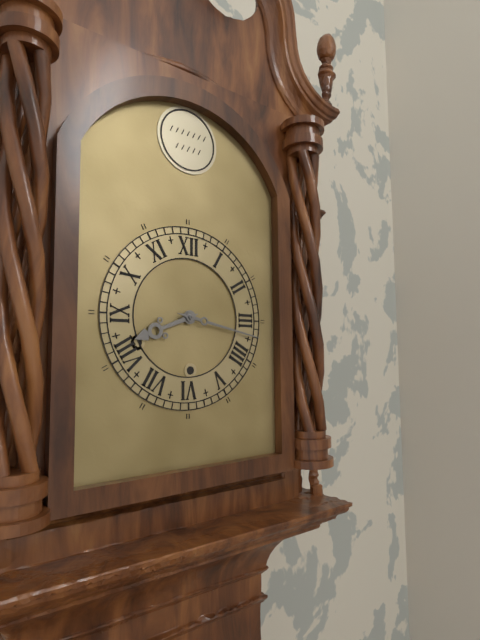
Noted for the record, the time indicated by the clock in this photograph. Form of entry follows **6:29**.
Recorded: **8:17**
